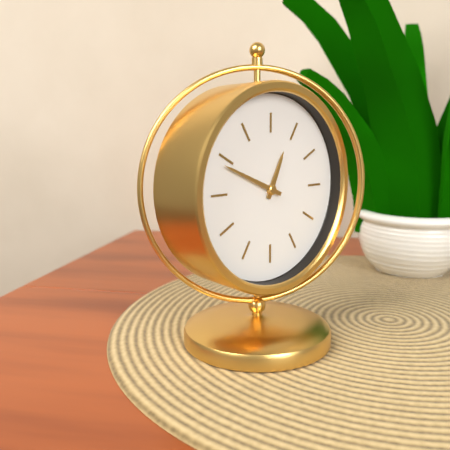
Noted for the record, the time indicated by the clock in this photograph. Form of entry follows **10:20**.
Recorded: **12:49**
